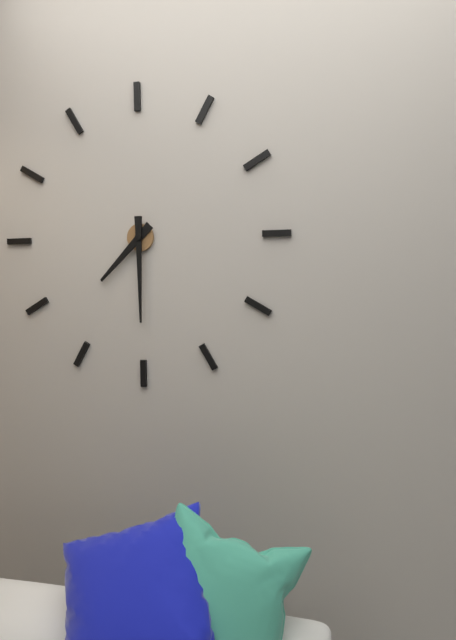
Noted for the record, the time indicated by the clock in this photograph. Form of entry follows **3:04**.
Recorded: **7:30**
